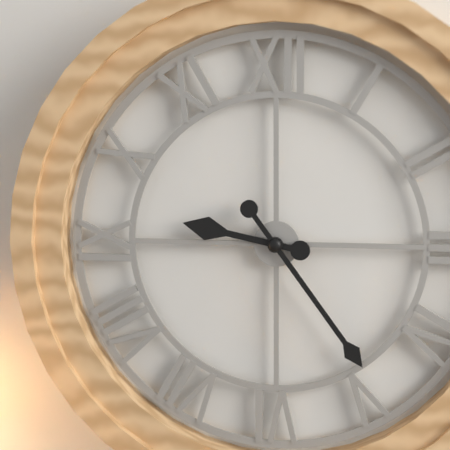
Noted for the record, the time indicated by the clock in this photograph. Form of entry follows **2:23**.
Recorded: **9:24**
